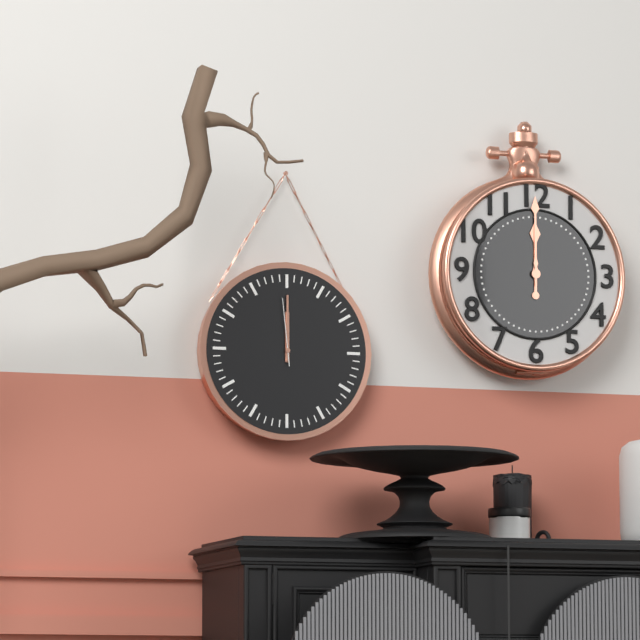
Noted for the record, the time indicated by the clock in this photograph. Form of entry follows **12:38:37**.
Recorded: **12:00:59**
